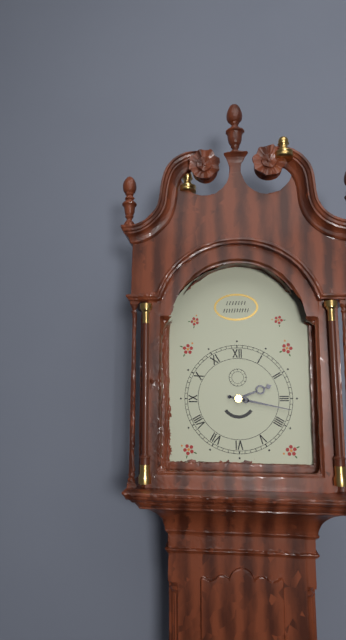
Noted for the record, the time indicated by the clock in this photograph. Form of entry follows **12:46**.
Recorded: **2:17**
